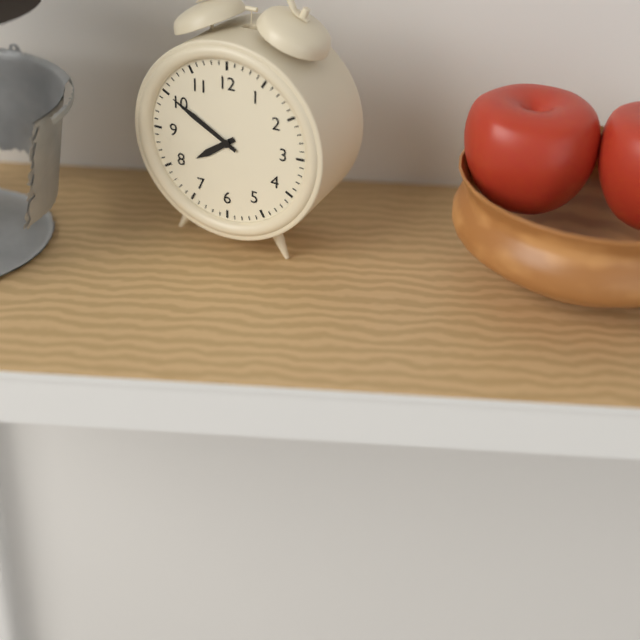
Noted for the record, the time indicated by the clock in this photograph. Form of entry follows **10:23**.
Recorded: **7:50**
